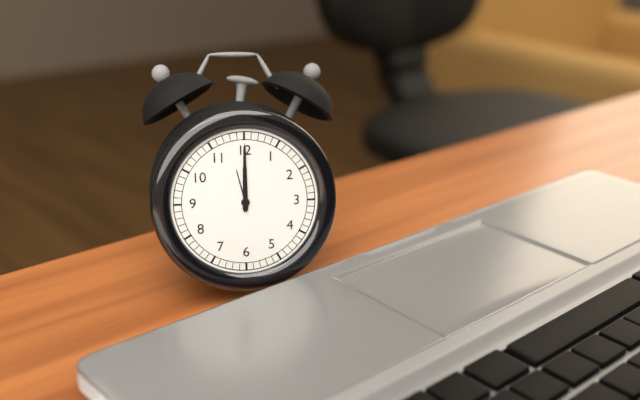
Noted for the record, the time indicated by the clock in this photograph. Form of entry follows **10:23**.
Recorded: **12:00**
